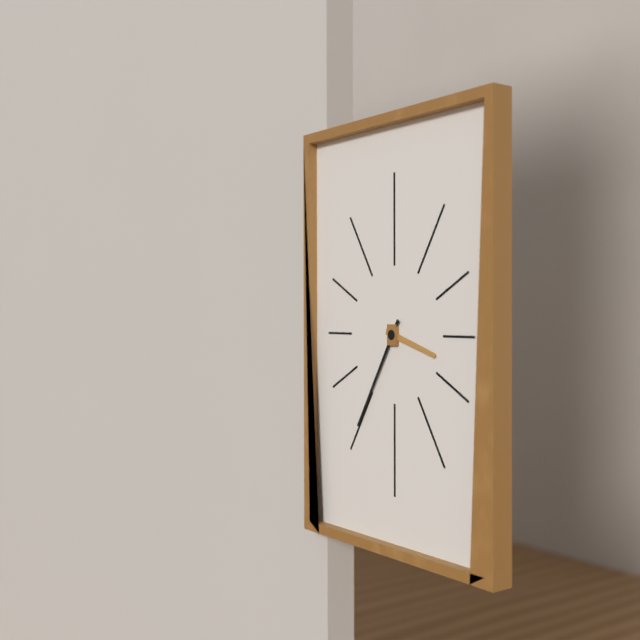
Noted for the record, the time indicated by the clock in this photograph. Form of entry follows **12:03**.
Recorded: **3:35**
